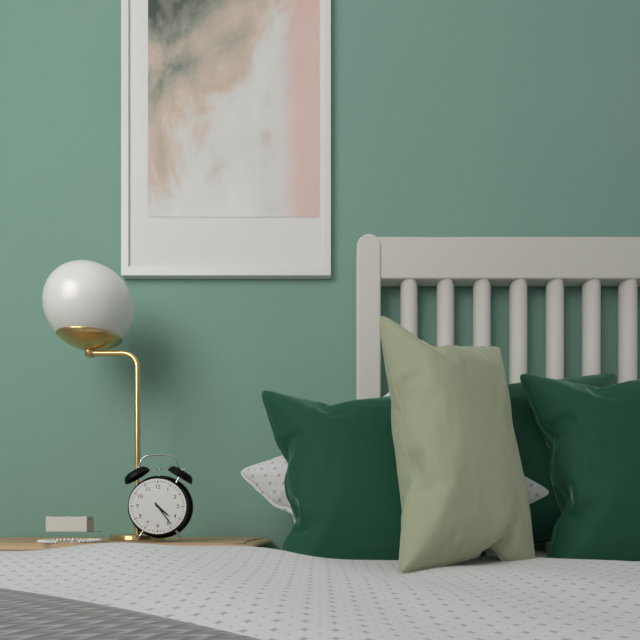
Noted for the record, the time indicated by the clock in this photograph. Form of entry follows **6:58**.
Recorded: **4:24**
